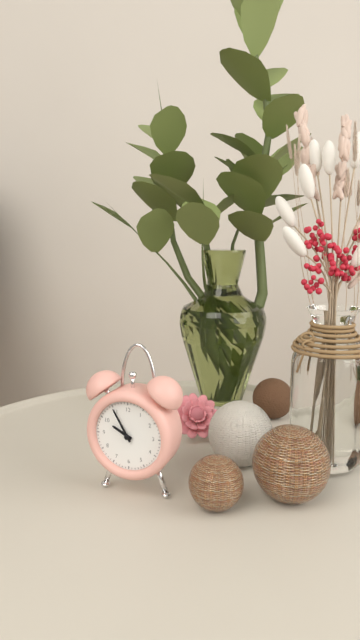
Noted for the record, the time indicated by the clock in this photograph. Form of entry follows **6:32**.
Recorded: **9:55**
